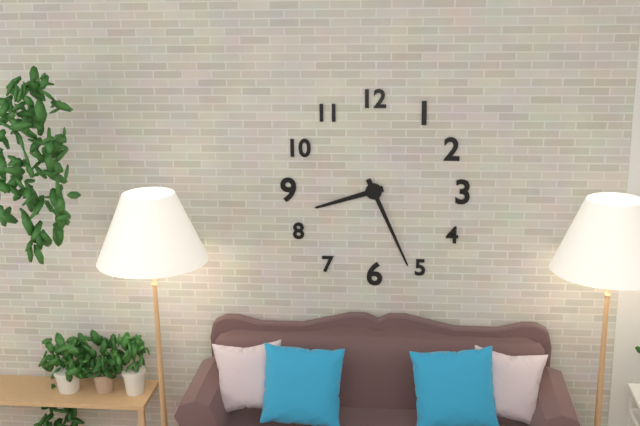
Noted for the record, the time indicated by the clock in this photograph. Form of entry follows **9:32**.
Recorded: **8:26**
